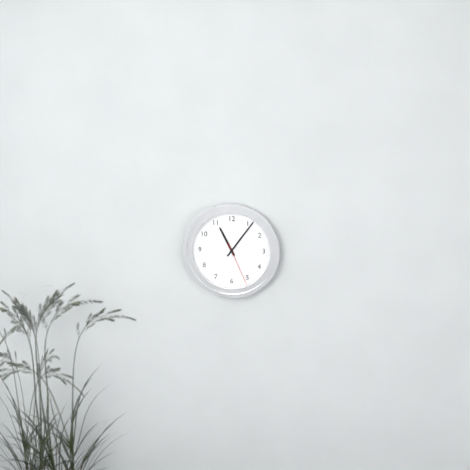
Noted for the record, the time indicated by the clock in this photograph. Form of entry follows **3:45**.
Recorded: **11:06**
